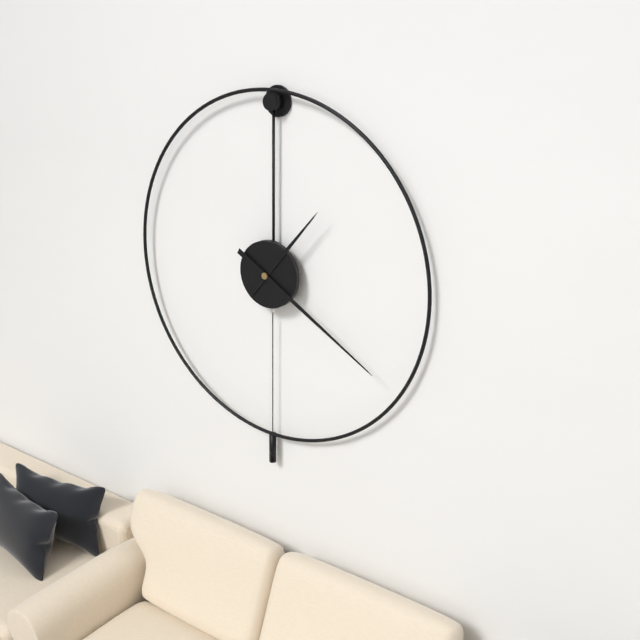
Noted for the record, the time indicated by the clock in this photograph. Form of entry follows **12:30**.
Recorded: **1:20**
